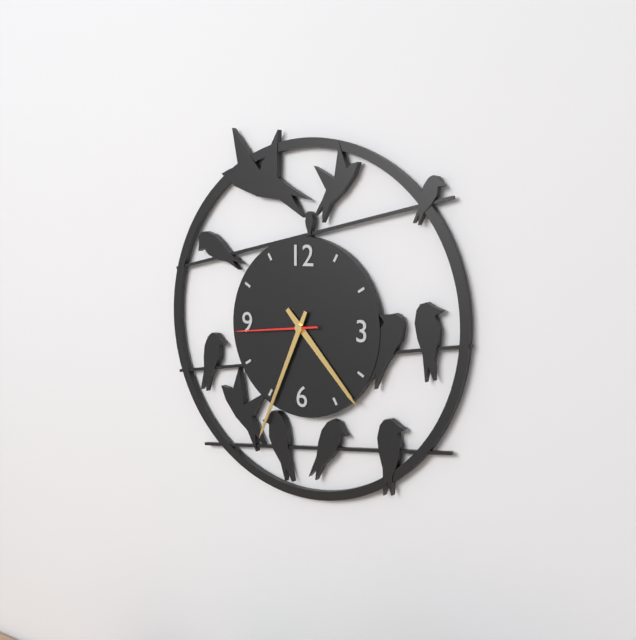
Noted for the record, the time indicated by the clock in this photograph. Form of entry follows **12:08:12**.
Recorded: **4:34:44**
